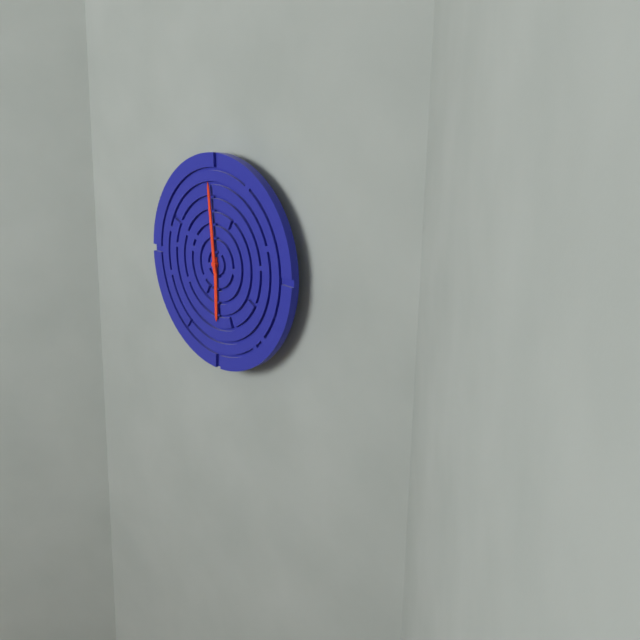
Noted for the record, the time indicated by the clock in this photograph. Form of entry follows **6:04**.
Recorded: **5:59**
